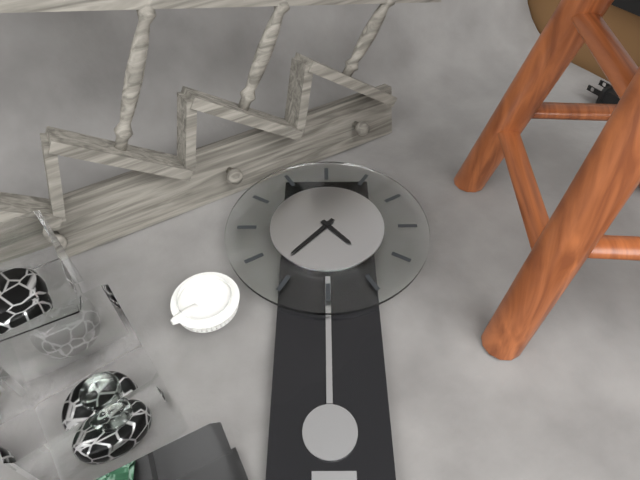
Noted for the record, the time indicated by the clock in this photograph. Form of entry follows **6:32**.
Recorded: **4:37**
